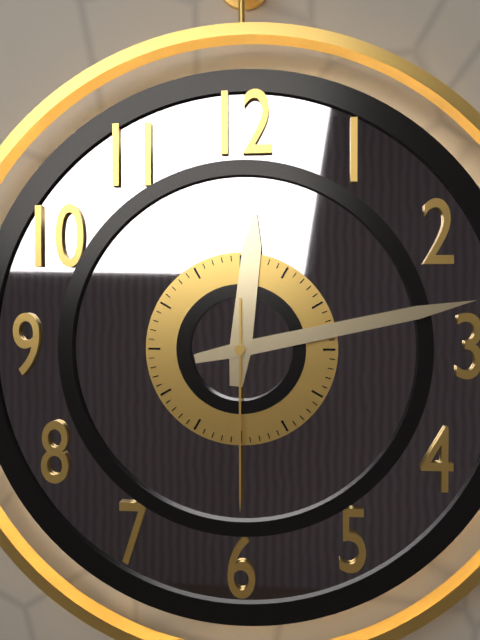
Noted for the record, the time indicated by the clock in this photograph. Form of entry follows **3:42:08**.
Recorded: **12:13:30**
